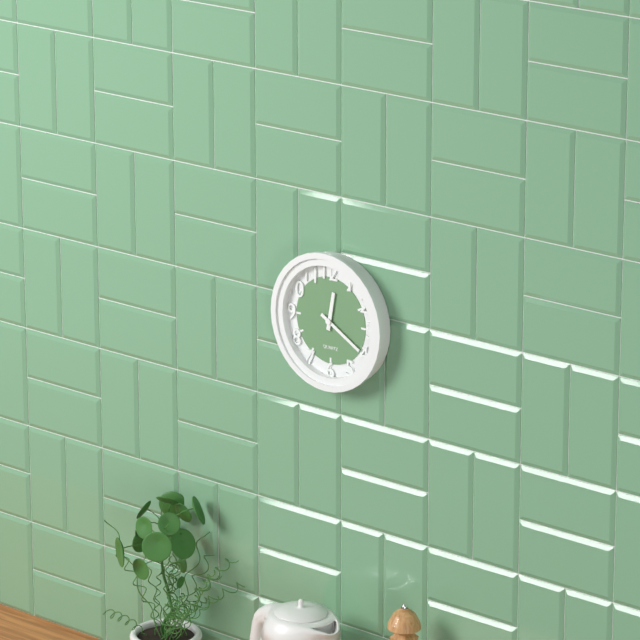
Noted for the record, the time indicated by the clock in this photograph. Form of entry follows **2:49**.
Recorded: **12:20**
